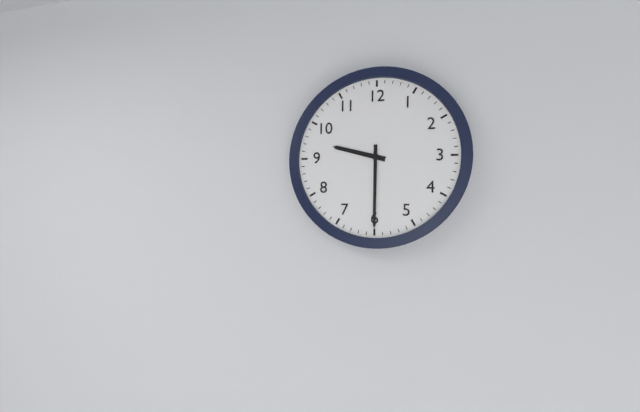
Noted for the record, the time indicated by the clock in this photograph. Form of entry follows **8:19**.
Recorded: **9:30**
